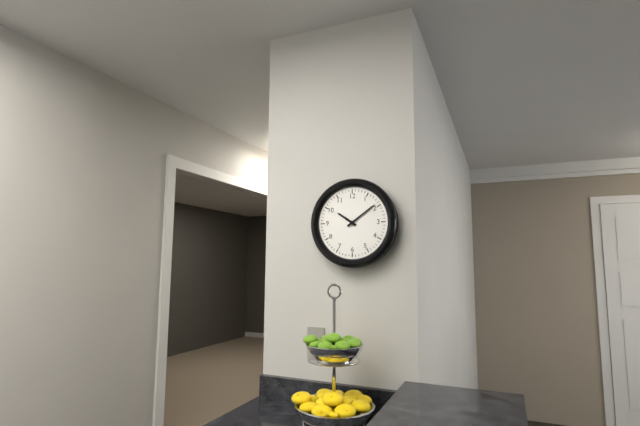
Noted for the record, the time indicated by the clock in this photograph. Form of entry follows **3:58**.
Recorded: **10:09**
